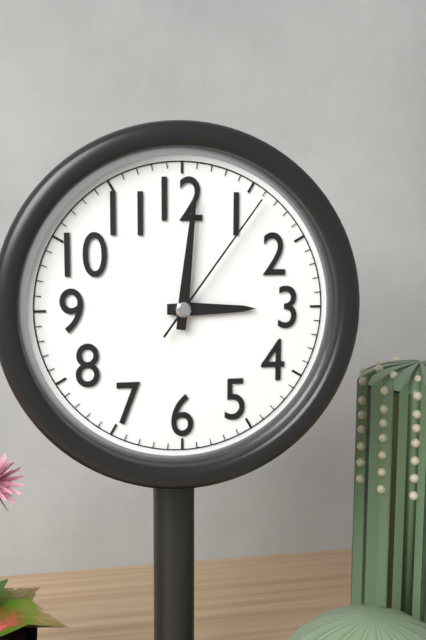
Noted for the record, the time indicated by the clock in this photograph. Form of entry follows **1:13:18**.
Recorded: **3:01:06**
